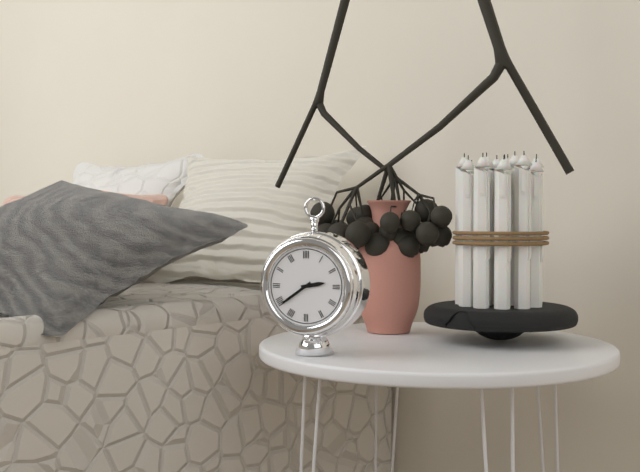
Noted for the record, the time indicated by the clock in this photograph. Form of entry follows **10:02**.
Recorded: **2:39**
